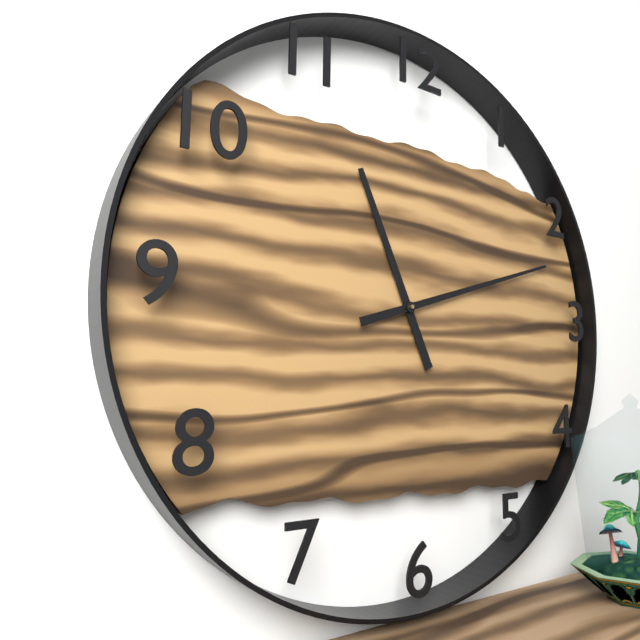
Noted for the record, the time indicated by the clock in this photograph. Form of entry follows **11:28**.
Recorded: **11:12**
